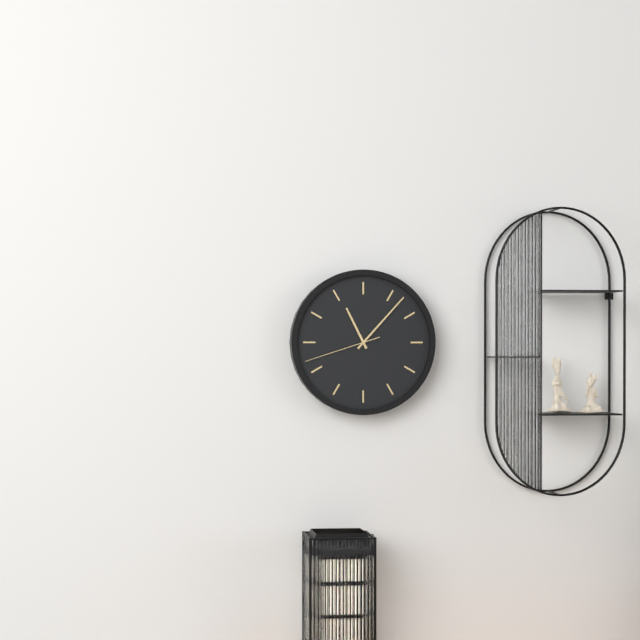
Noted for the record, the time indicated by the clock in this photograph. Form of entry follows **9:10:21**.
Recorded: **11:07:42**
